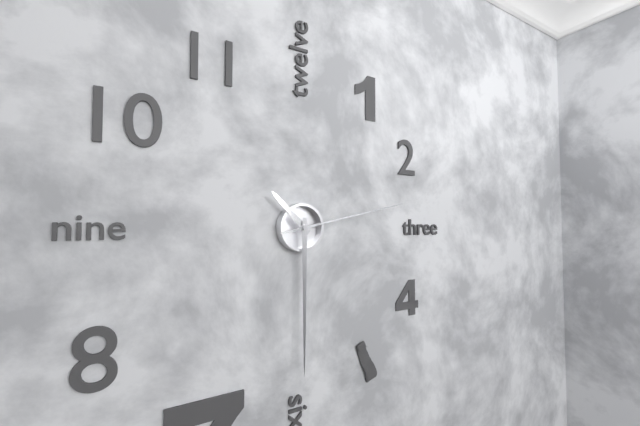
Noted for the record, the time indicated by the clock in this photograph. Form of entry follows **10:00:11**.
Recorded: **10:30:13**
